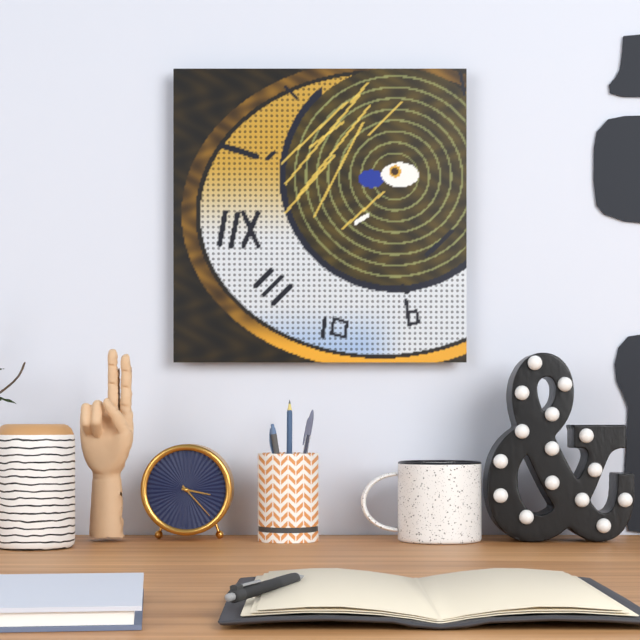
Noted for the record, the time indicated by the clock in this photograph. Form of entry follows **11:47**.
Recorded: **3:23**
